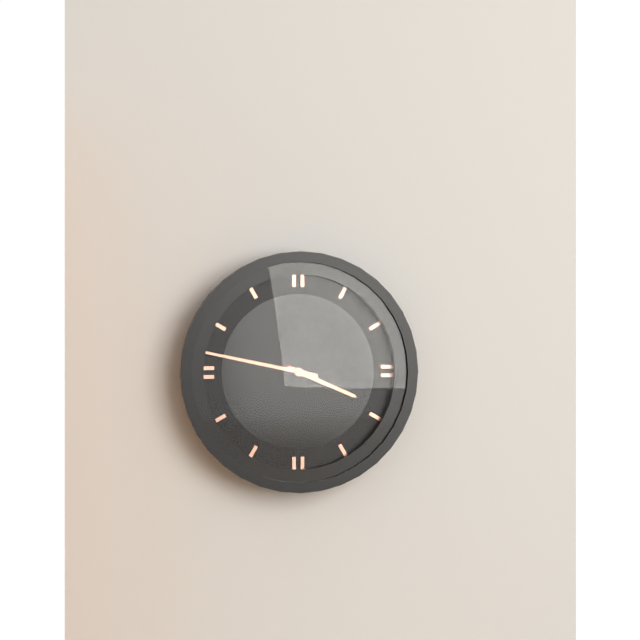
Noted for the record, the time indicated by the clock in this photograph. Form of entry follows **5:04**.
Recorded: **3:47**
